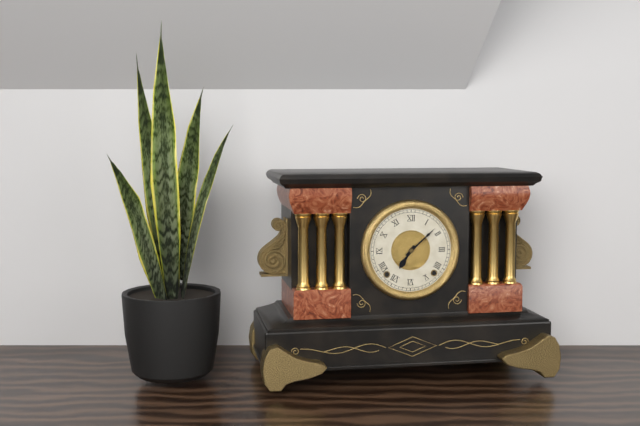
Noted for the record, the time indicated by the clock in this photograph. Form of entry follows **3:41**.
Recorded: **7:08**
